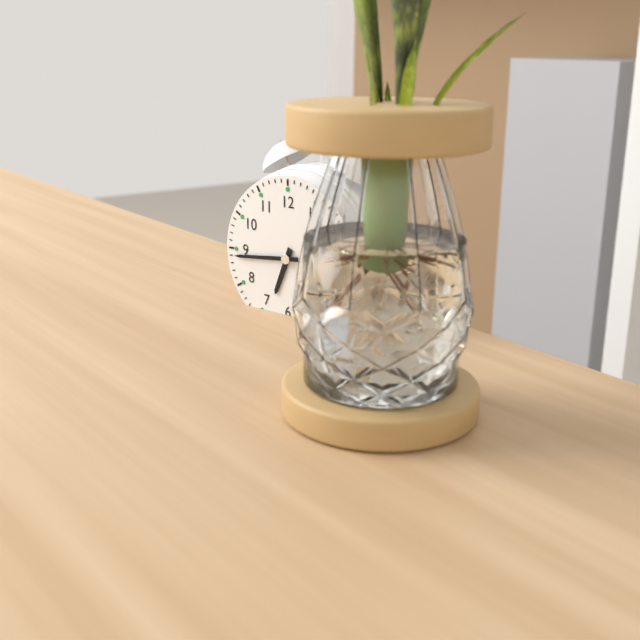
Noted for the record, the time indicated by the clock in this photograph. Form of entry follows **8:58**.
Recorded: **6:44**
